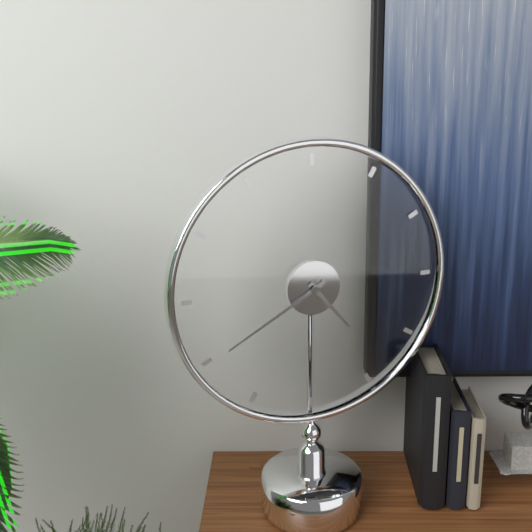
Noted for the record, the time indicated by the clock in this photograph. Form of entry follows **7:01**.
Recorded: **4:40**
